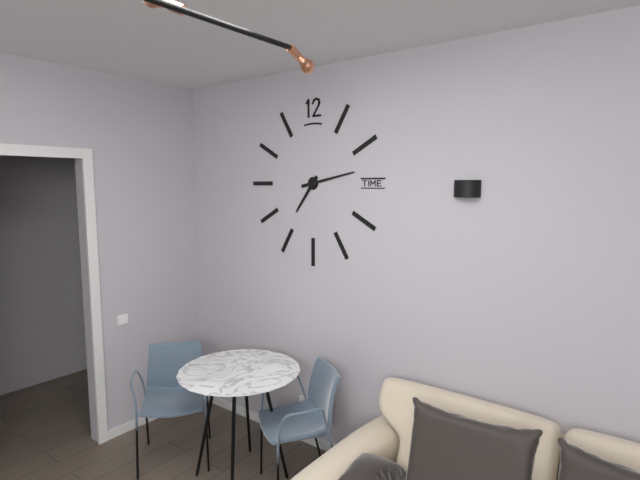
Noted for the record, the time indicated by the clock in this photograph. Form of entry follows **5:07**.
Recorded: **7:13**
